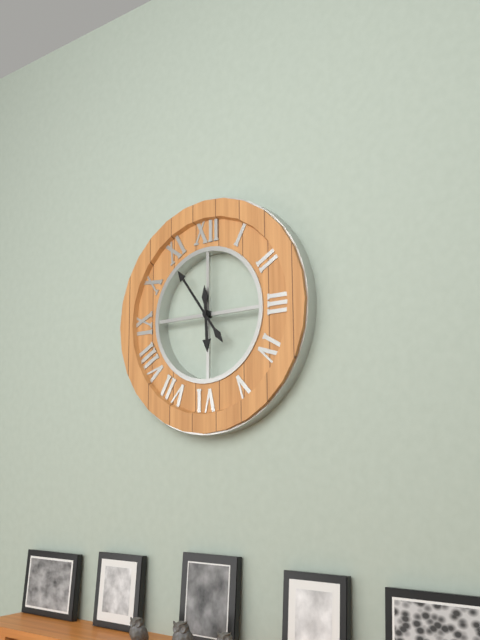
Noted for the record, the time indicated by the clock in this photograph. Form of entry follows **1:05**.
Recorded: **5:54**
